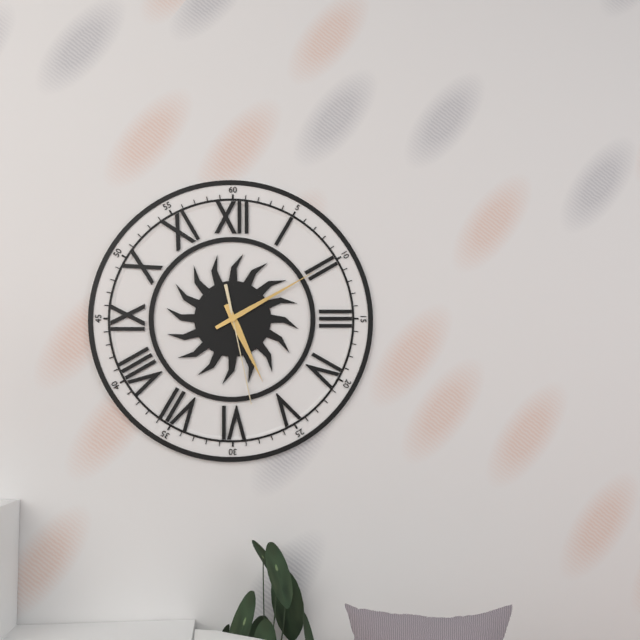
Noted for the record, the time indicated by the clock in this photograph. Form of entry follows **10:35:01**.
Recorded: **5:10:28**
